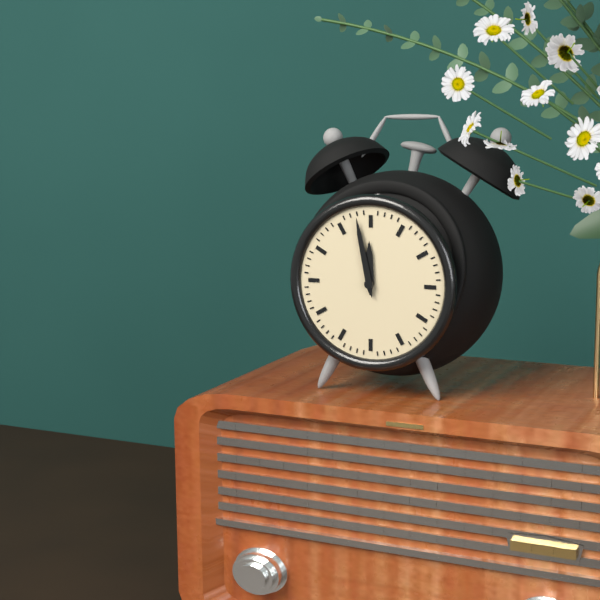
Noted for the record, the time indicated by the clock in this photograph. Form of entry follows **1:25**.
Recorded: **11:58**
